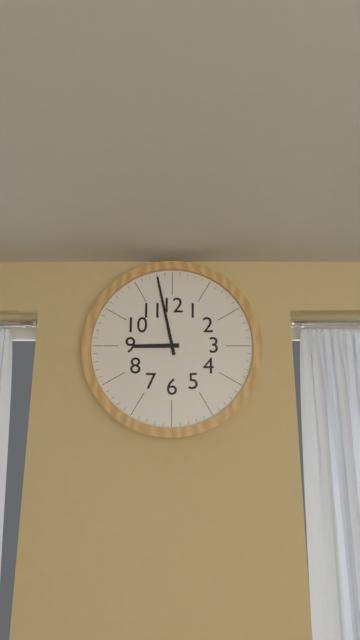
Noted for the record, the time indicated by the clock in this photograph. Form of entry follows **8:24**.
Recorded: **8:58**
